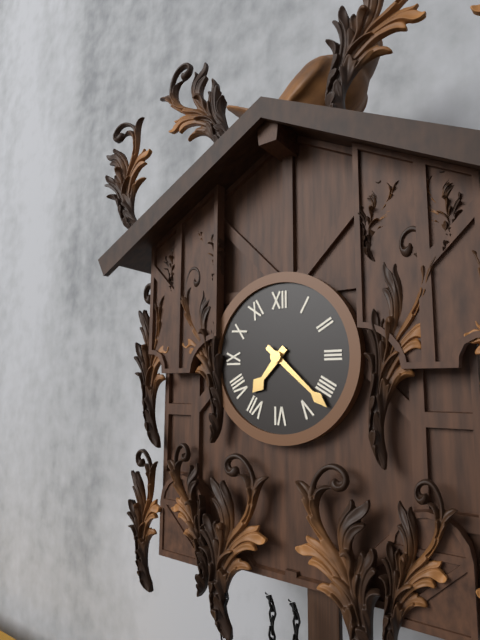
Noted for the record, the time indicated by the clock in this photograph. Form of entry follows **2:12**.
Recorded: **7:22**
